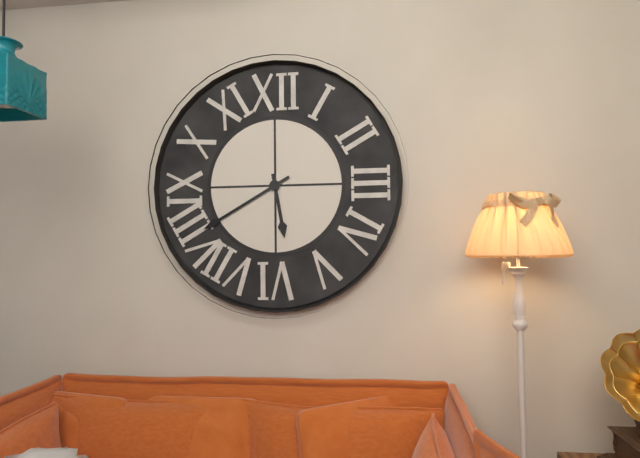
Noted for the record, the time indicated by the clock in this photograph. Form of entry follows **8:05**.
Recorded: **5:40**
